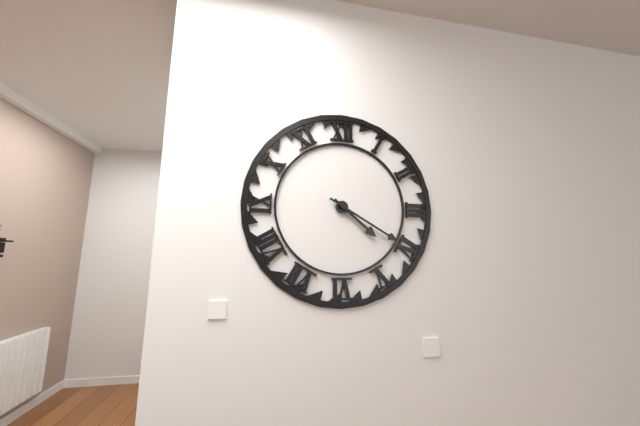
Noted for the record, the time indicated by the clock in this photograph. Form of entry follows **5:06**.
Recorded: **4:20**
